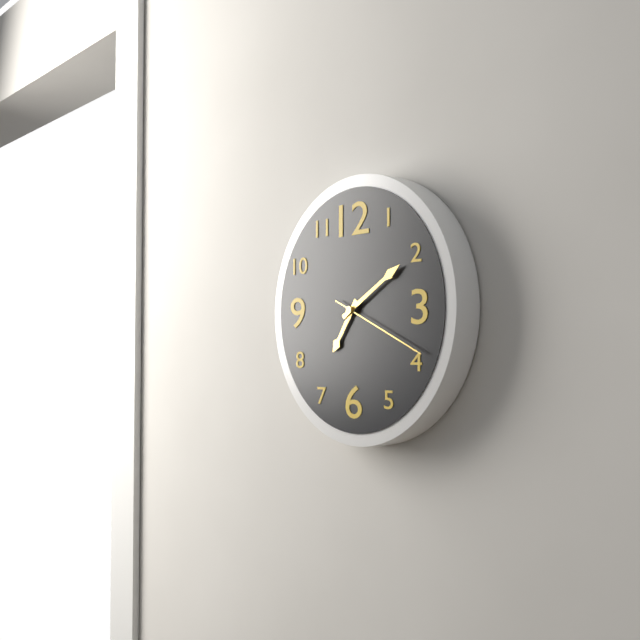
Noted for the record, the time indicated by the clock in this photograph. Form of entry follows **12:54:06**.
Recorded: **7:10:19**
